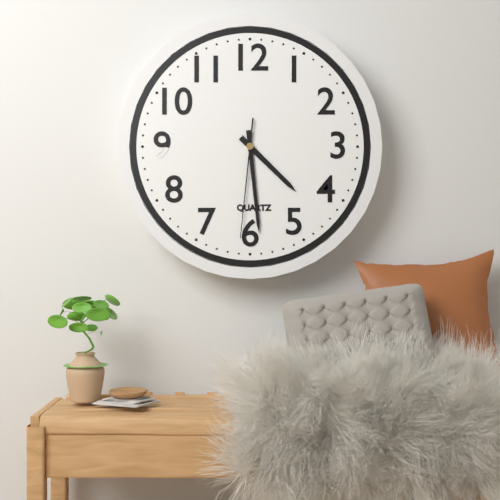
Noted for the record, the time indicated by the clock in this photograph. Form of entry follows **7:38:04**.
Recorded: **4:29:31**
